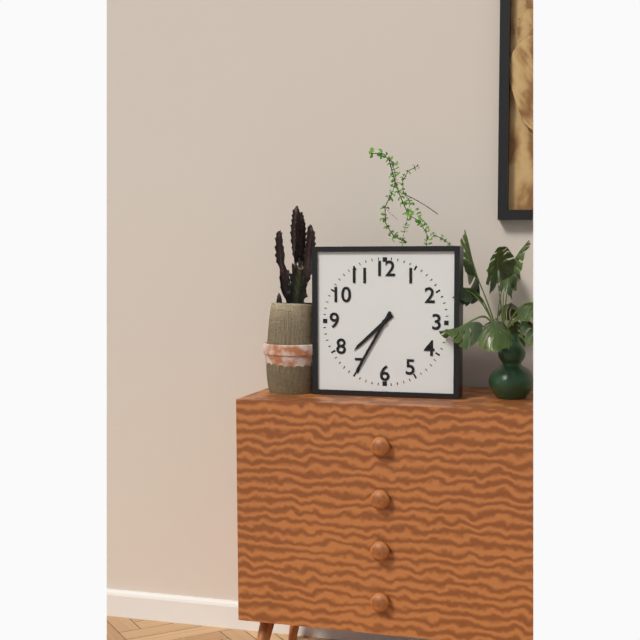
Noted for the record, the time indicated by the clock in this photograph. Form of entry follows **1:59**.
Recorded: **7:35**
